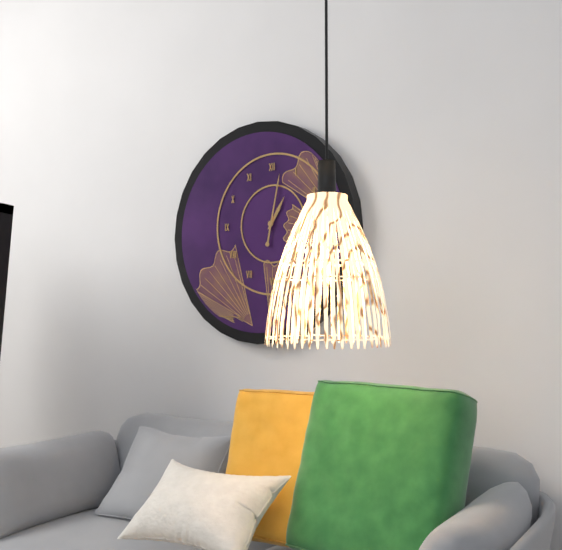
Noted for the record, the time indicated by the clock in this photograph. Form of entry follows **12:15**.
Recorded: **1:02**
